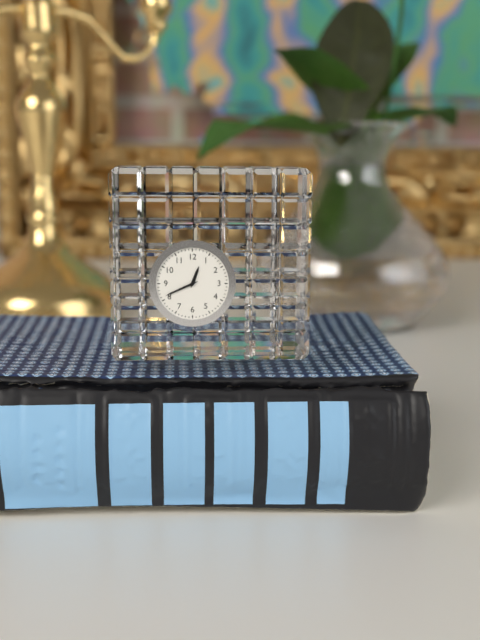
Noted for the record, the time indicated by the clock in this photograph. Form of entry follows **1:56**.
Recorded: **12:41**
